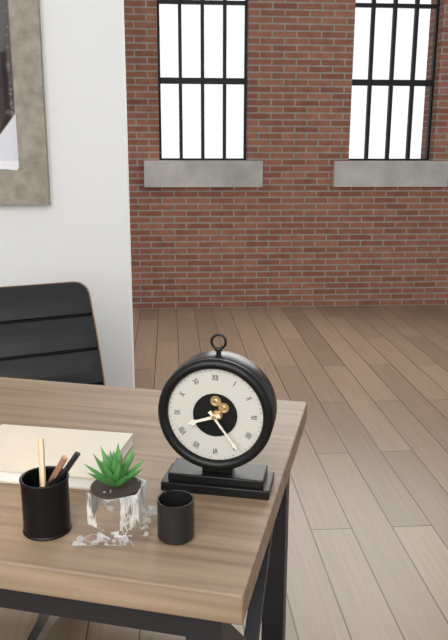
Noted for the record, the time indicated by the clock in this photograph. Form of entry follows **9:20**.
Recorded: **8:24**
